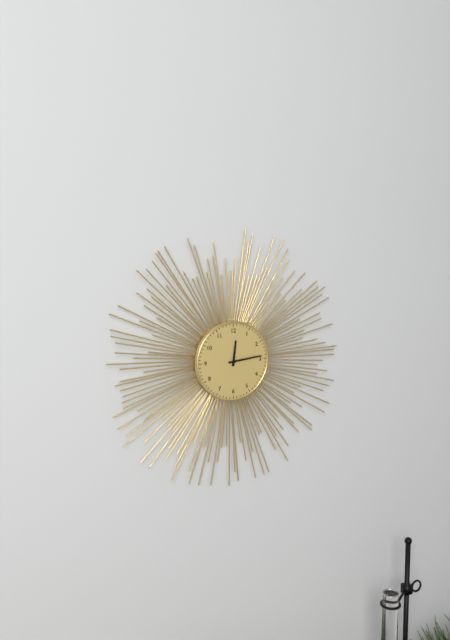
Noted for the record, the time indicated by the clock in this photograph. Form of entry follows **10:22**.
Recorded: **12:14**
